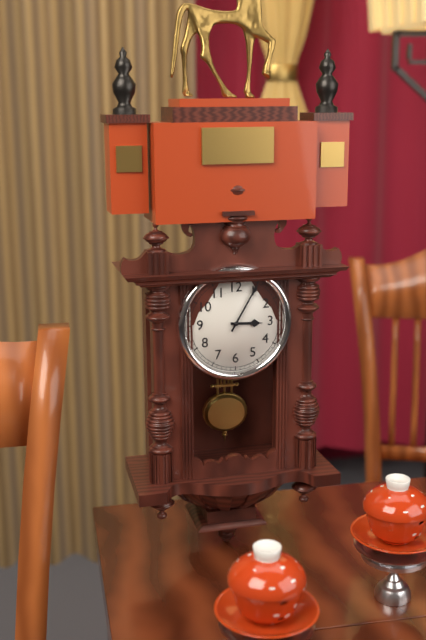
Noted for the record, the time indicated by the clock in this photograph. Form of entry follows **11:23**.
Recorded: **3:05**
